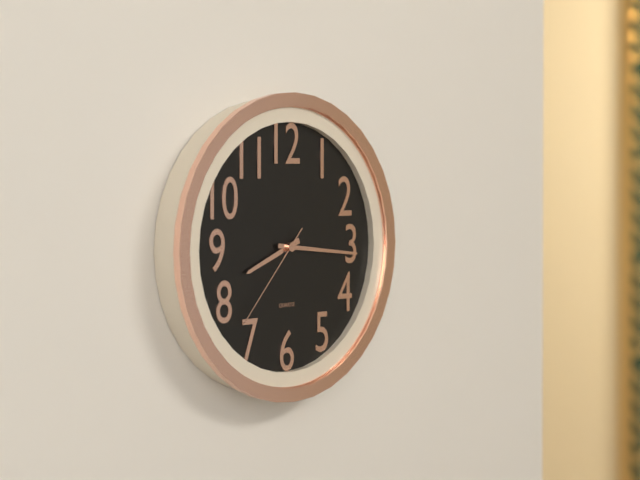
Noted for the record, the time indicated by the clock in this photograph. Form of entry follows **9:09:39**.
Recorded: **8:16:37**
